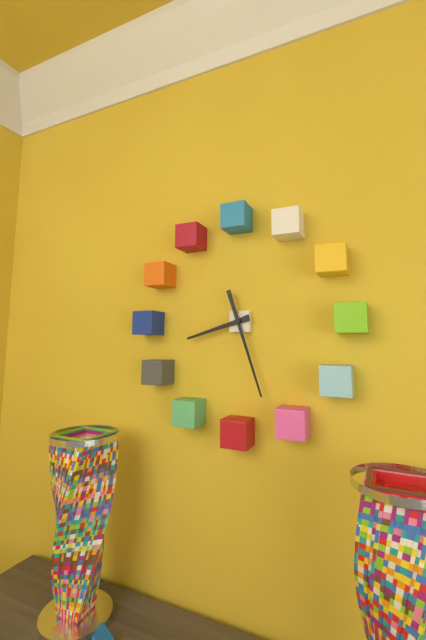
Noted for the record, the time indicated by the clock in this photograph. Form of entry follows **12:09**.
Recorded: **8:27**
